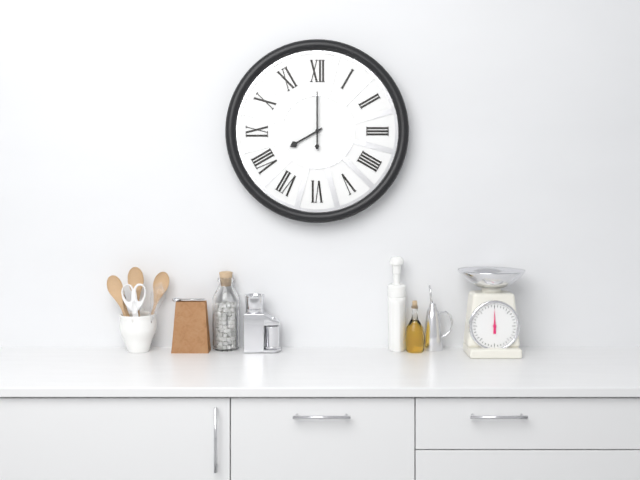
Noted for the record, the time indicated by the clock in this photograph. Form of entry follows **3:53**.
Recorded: **8:00**
